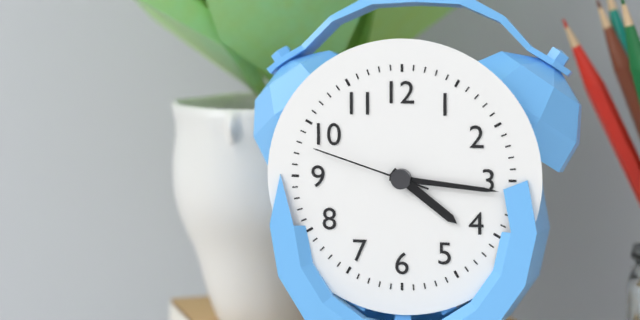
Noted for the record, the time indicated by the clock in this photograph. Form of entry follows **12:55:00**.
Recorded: **4:16:48**
